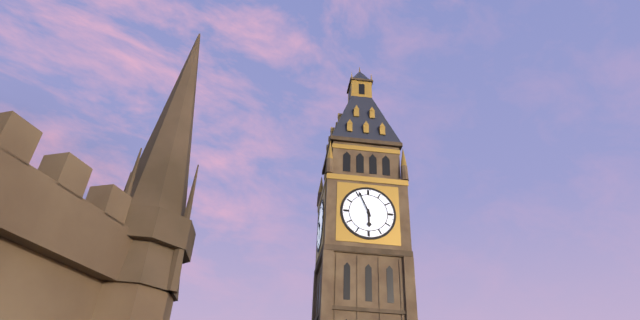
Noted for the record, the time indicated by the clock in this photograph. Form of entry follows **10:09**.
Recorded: **5:56**
